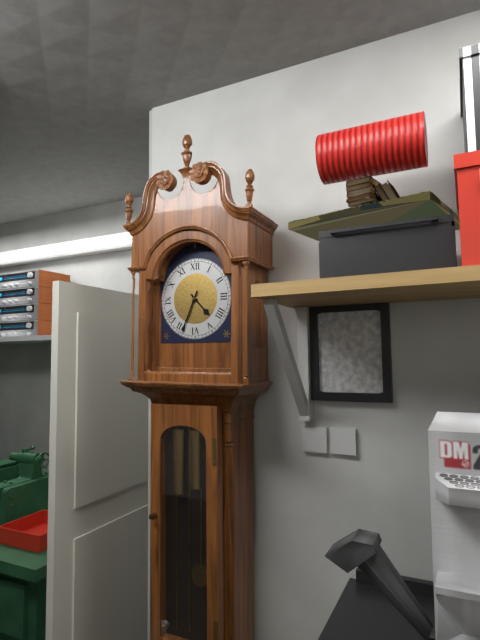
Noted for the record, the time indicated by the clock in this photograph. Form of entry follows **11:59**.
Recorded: **4:34**
